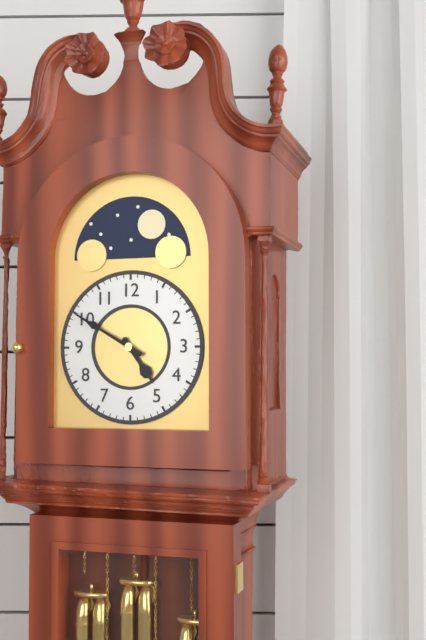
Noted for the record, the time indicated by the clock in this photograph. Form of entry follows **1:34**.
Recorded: **4:50**
